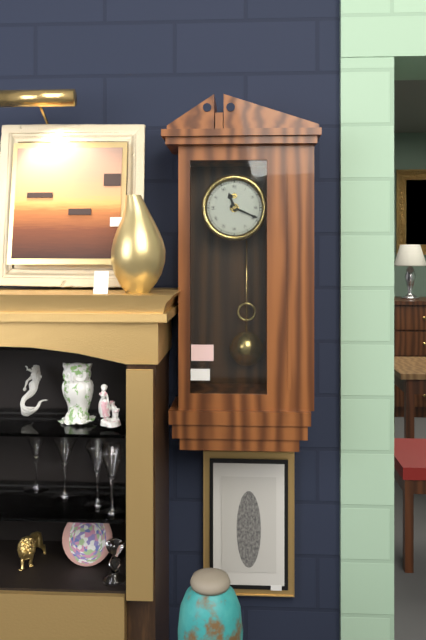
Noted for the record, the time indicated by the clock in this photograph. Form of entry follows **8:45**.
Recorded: **11:19**
